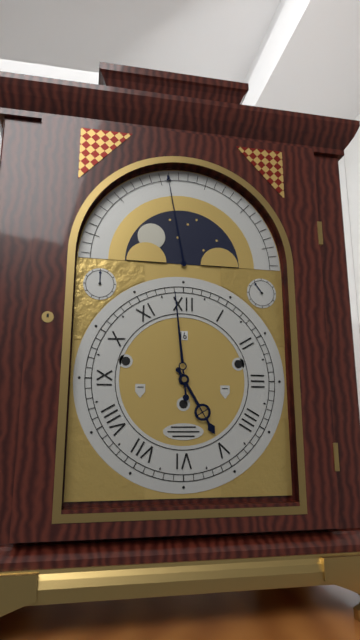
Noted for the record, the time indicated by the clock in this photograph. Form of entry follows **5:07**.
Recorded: **4:59**
